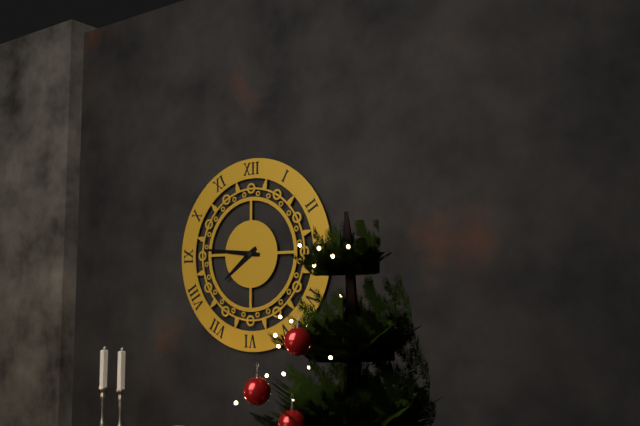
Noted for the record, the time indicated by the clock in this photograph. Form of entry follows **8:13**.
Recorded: **7:46**
